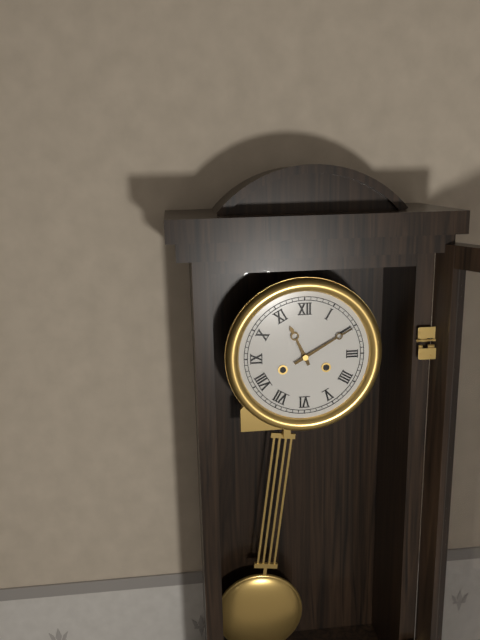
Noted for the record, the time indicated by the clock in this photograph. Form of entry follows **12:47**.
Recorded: **11:10**
